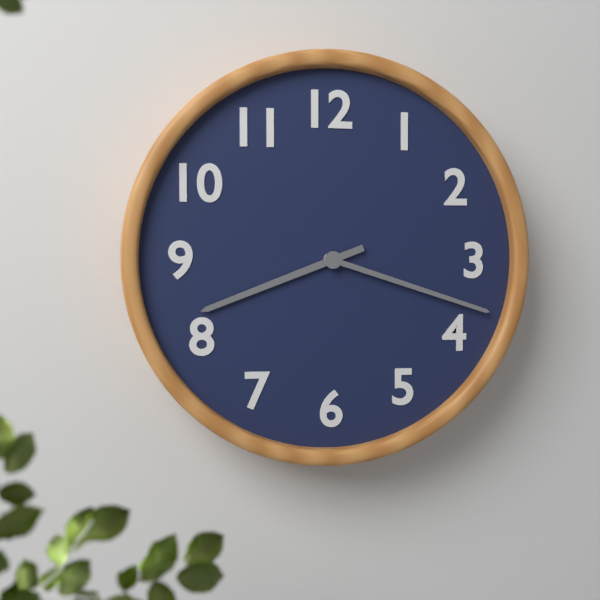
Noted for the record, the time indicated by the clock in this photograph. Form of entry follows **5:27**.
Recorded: **8:18**
